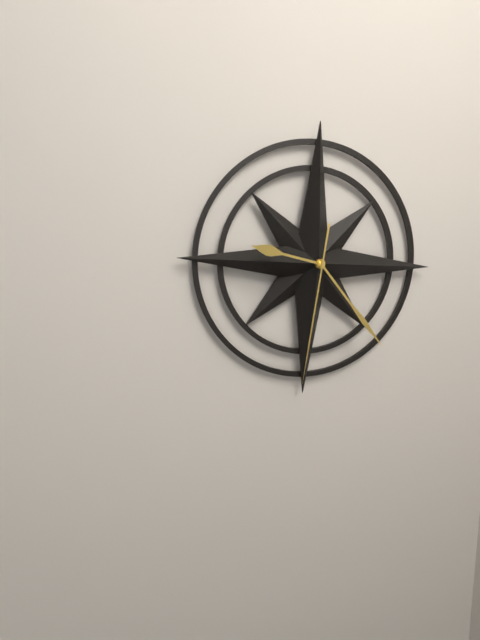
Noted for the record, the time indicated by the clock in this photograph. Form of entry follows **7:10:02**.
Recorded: **9:23:31**
